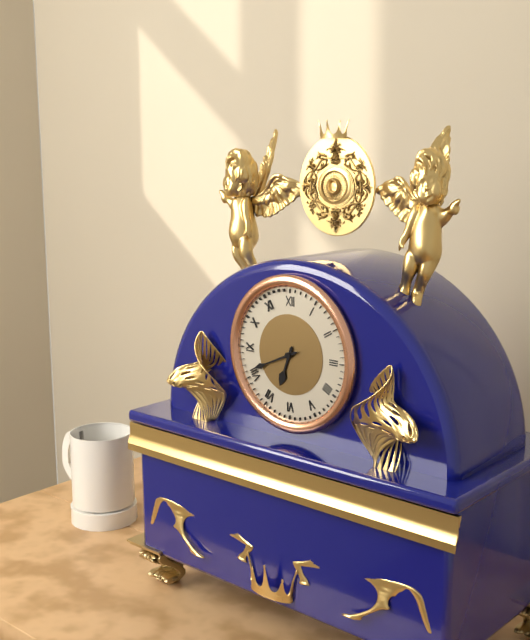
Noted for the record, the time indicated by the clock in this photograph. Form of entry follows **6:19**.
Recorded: **6:41**
